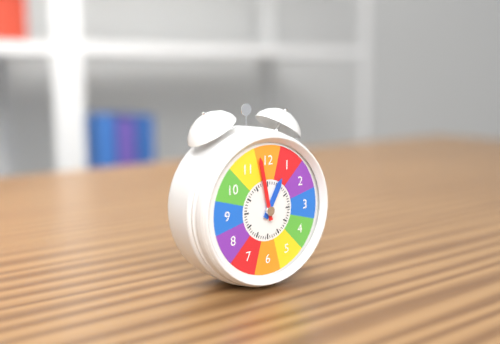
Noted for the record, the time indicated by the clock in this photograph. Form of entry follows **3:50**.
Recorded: **12:58**
